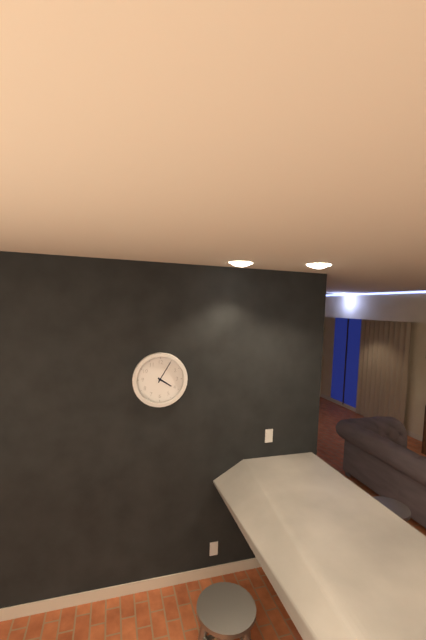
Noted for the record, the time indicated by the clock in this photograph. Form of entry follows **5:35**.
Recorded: **4:05**
